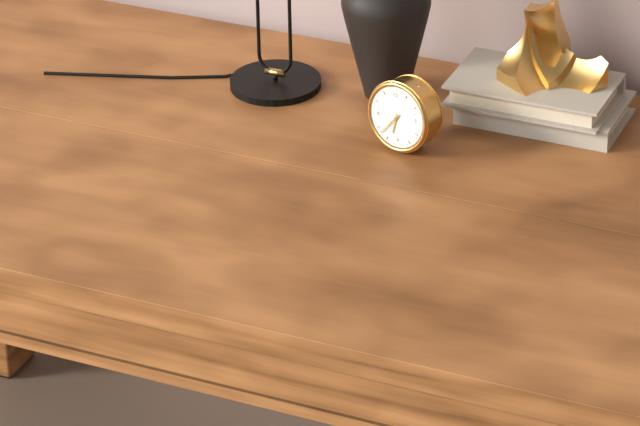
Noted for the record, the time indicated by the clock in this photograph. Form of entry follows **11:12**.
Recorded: **6:38**
